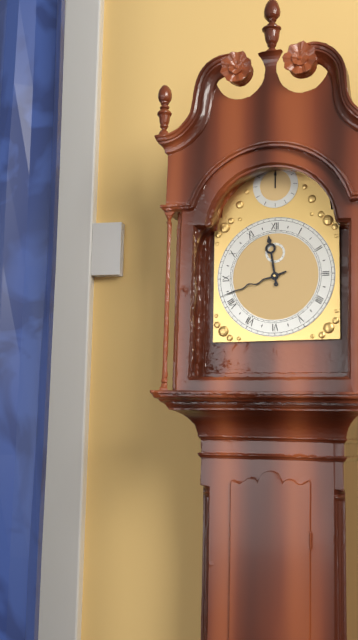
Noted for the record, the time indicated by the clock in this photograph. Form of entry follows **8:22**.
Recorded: **11:42**
